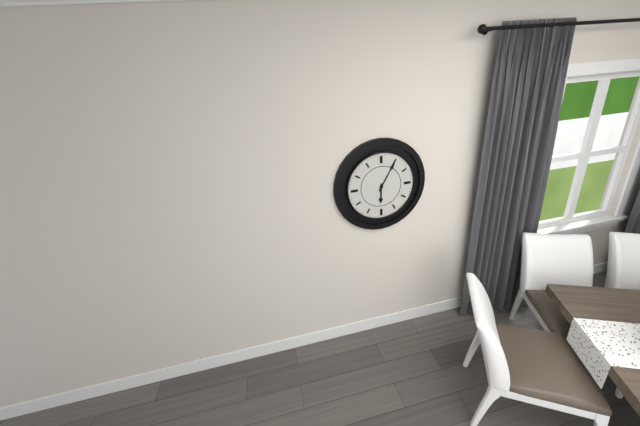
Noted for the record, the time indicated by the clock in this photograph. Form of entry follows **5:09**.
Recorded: **6:05**
